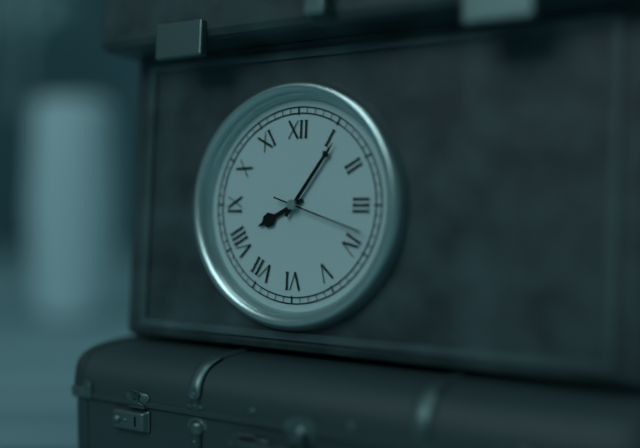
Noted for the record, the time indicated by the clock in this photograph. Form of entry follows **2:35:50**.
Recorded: **8:06:18**
